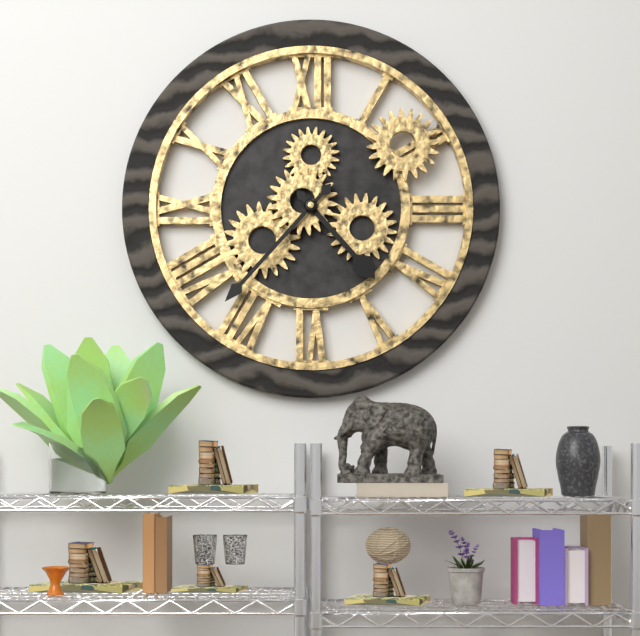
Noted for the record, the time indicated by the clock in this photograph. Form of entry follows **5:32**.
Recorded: **4:37**
